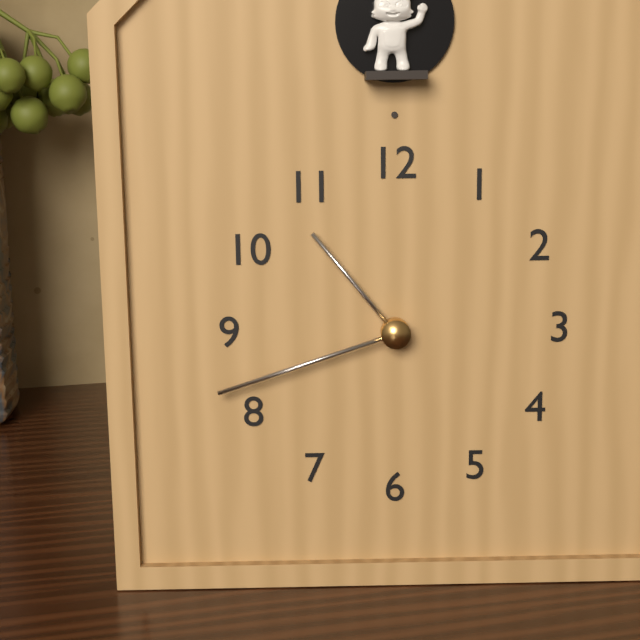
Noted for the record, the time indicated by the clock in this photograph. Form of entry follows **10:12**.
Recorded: **10:42**
